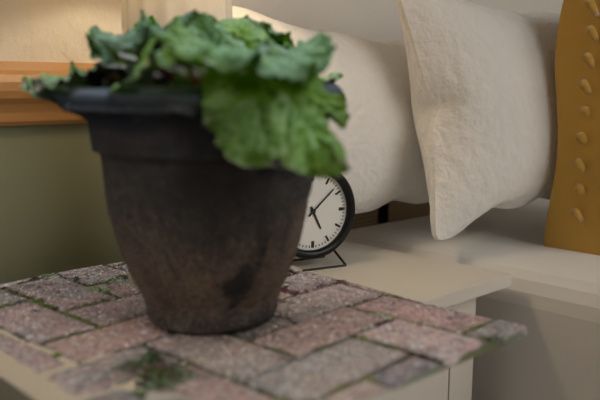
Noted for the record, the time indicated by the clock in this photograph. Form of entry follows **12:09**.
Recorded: **5:08**
